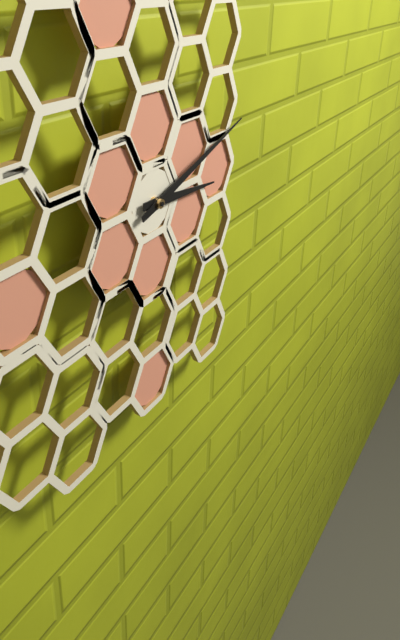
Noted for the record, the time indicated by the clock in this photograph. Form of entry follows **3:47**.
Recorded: **3:12**
